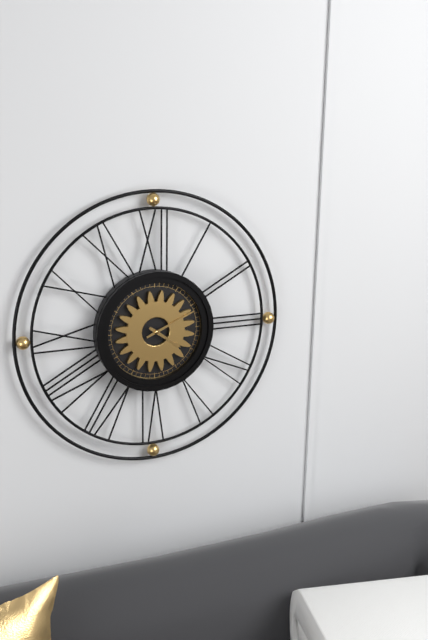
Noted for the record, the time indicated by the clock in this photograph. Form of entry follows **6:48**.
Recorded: **4:11**
